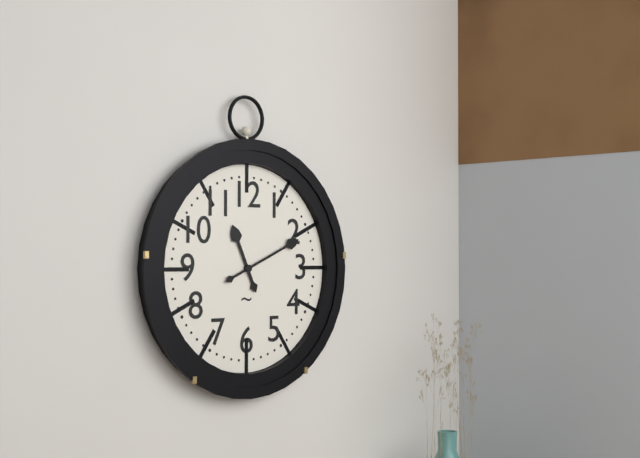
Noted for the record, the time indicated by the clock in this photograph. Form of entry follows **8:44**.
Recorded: **11:11**
